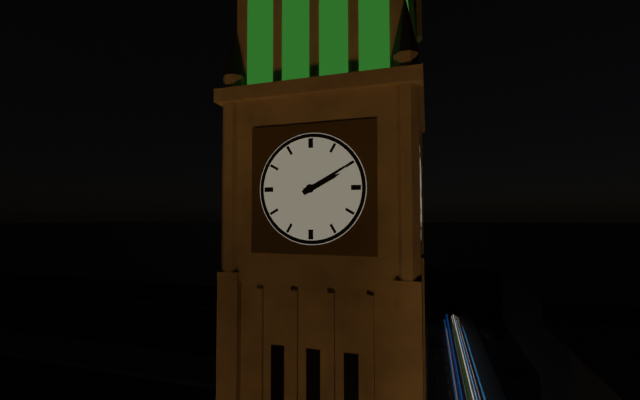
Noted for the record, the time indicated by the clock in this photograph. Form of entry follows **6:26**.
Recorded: **2:10**
